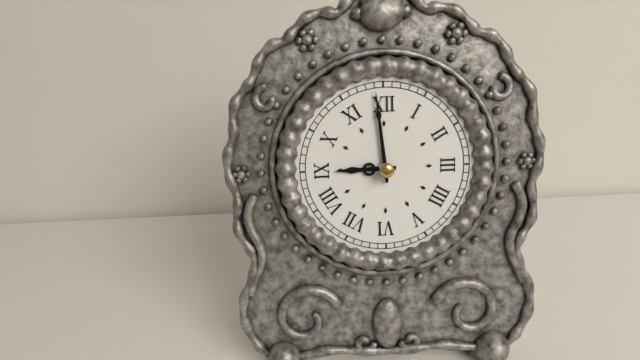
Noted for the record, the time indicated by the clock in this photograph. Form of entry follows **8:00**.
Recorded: **8:59**
